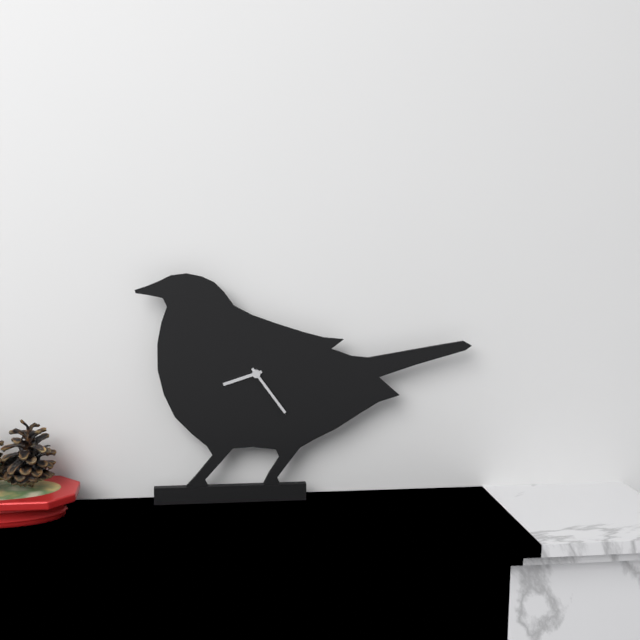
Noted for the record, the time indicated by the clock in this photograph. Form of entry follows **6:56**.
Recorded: **8:24**
